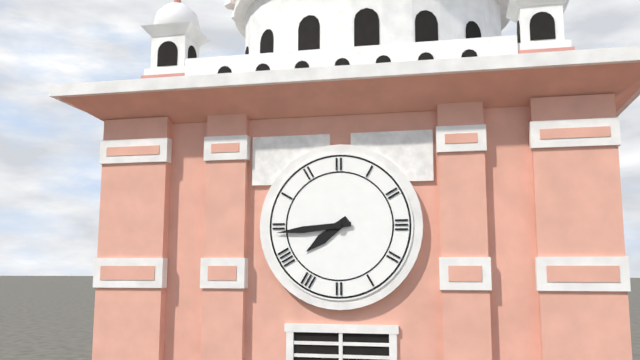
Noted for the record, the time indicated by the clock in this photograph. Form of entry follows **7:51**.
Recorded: **7:44**
